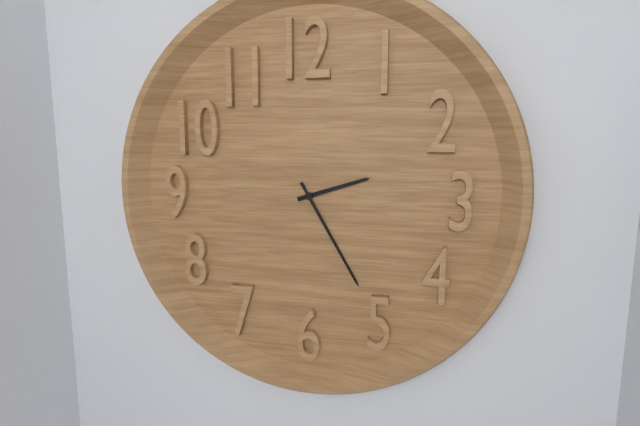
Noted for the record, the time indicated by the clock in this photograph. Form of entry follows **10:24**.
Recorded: **2:25**
